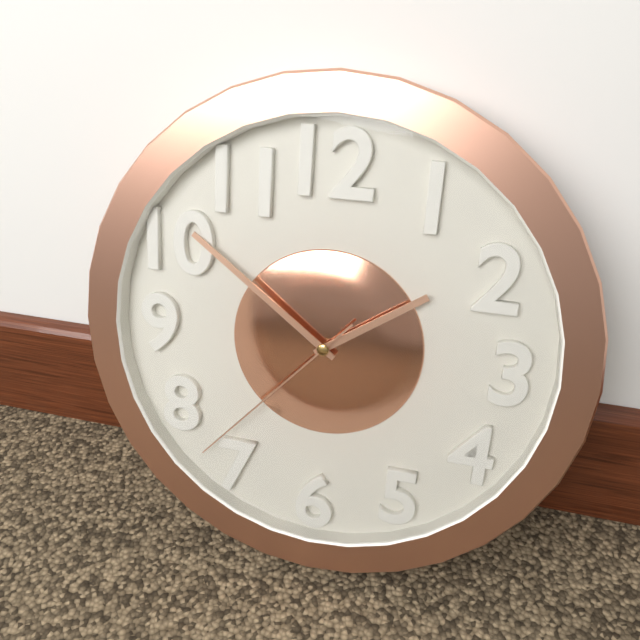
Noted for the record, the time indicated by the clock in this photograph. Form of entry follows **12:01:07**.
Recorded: **1:51:37**
